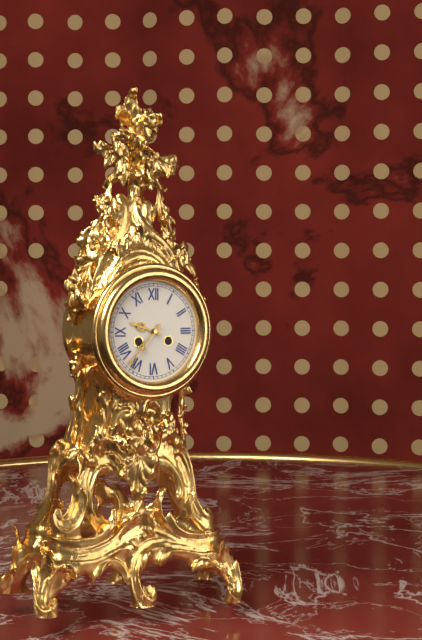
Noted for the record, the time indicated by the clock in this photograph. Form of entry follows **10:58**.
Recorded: **9:37**
